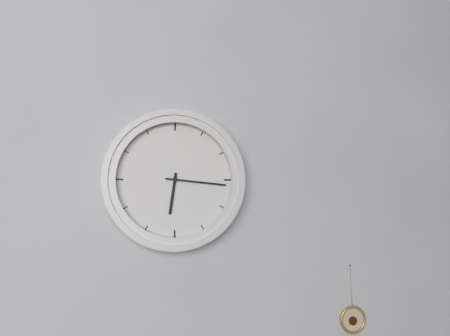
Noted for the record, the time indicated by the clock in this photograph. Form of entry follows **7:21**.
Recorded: **6:16**
